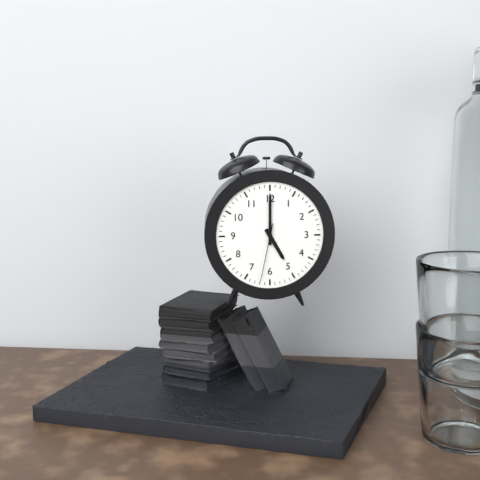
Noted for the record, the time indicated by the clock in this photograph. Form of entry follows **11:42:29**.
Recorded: **5:00:32**
